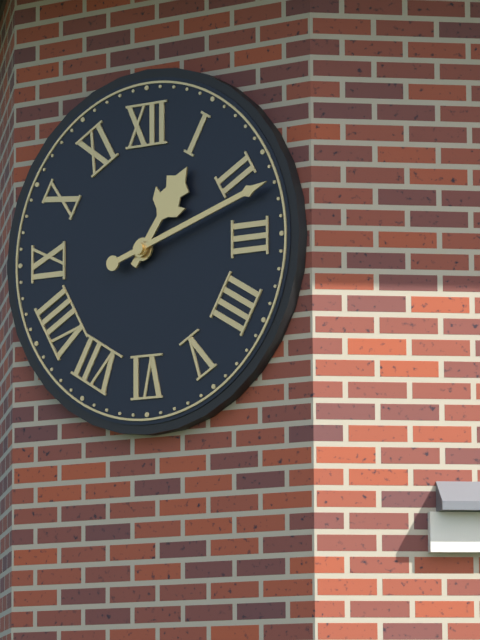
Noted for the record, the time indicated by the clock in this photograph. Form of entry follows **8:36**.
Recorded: **1:12**
